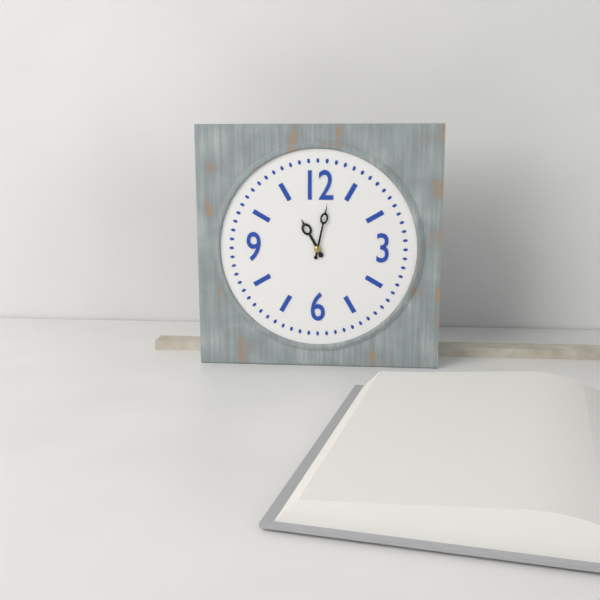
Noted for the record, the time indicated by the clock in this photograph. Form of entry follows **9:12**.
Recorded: **11:02**
